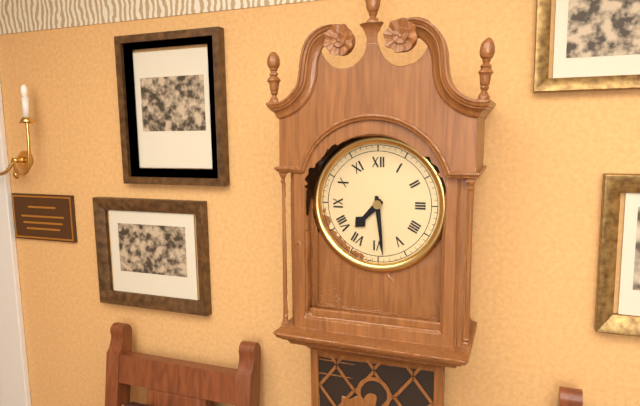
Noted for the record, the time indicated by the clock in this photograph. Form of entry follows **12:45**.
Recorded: **7:29**
